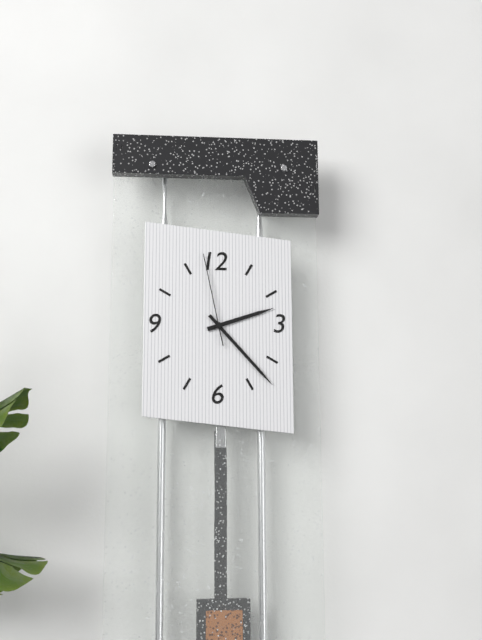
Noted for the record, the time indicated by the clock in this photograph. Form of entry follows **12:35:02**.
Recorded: **2:23:58**
